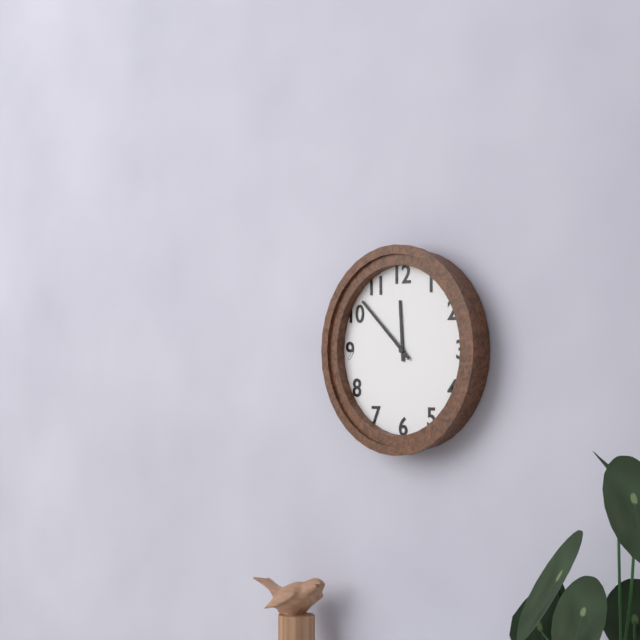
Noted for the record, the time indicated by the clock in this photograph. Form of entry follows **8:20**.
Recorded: **11:52**
